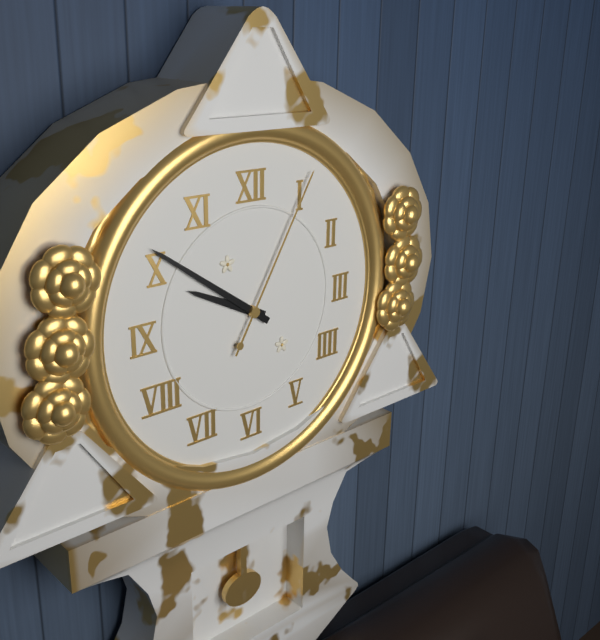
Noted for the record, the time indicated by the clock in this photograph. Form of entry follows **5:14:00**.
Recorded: **9:51:05**
